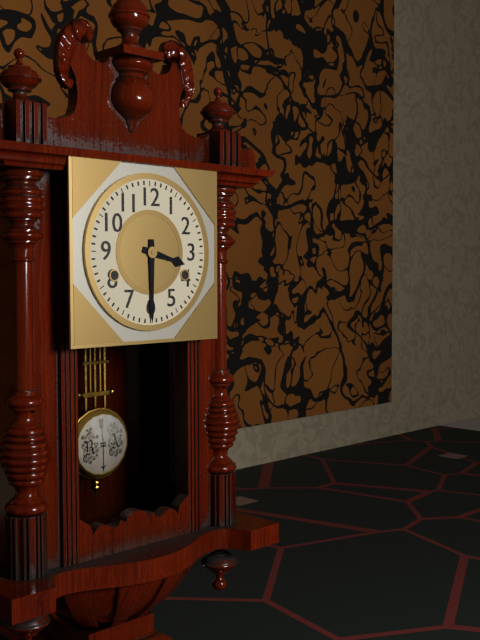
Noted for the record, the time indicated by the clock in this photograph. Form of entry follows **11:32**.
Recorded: **3:30**
